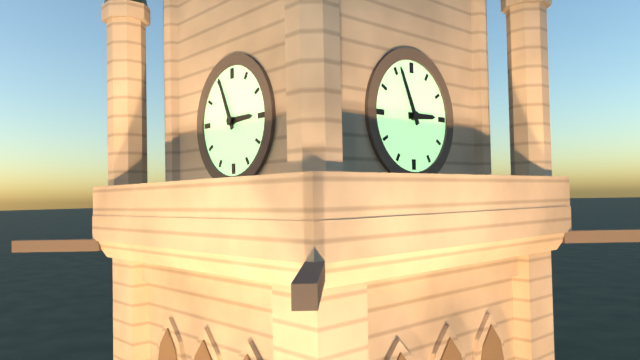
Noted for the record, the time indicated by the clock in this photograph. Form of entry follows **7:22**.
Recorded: **2:56**
